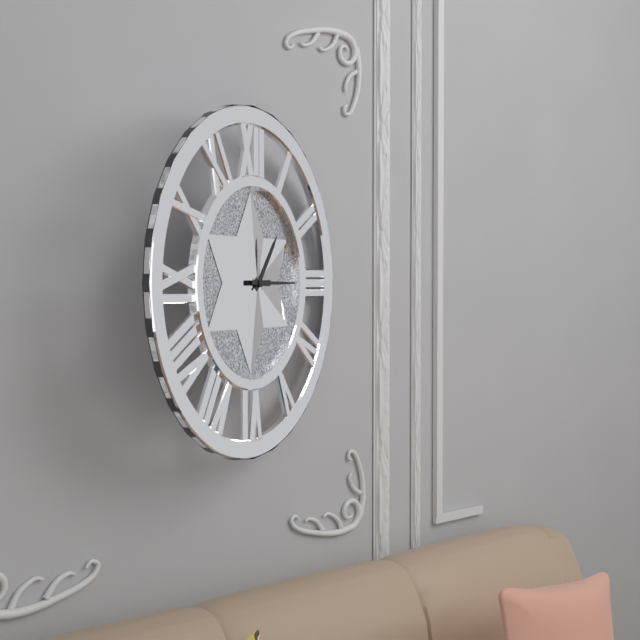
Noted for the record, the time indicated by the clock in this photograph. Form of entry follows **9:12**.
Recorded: **1:15**
